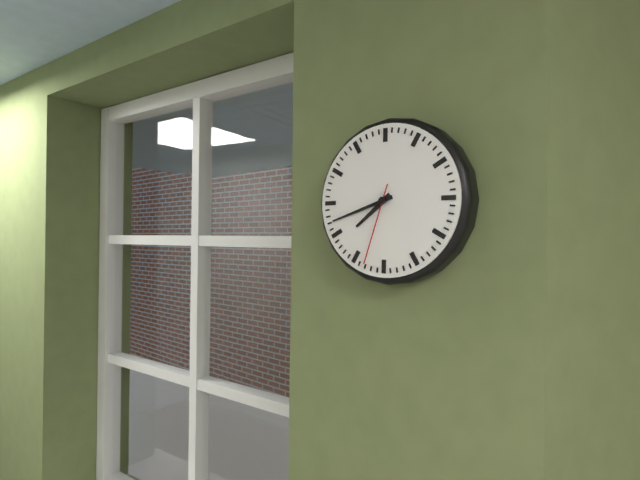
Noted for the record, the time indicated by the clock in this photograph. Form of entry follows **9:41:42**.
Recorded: **7:42:33**
